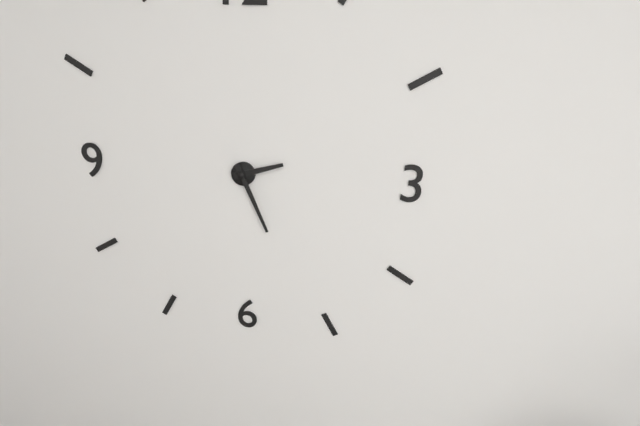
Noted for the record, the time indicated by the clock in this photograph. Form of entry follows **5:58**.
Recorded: **2:26**
